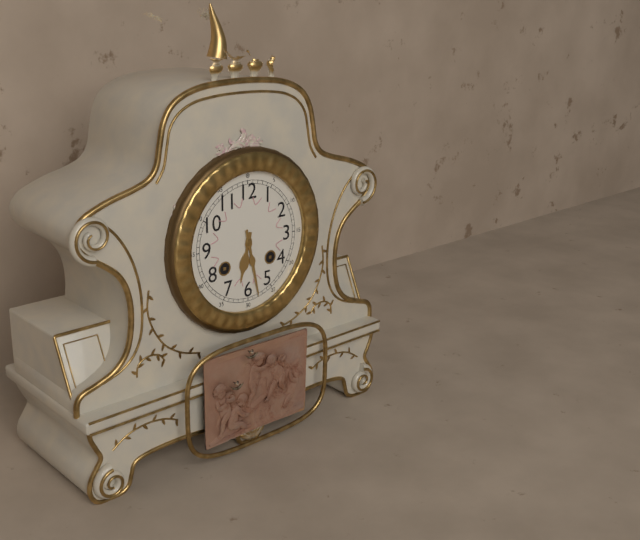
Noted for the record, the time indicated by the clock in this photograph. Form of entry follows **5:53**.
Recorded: **6:28**
